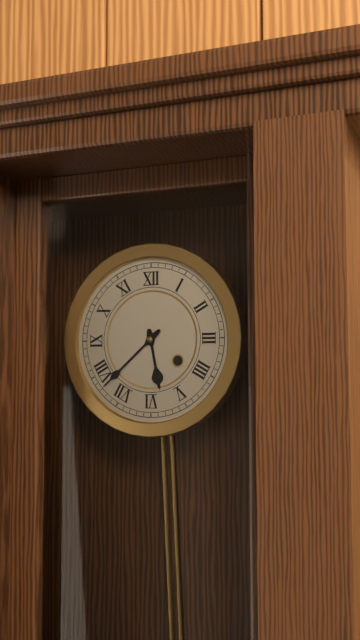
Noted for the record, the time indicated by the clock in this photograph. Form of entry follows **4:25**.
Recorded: **5:38**
